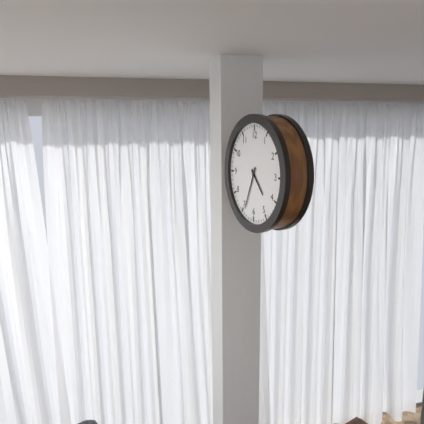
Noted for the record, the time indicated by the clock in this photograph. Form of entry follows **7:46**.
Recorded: **4:34**
